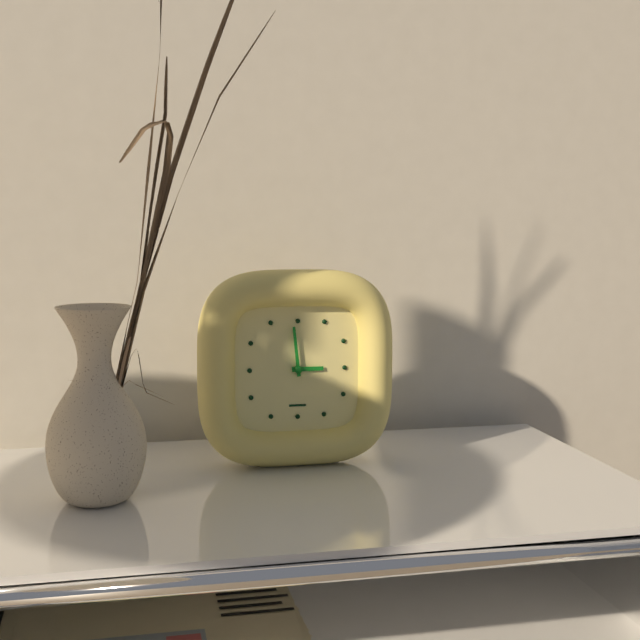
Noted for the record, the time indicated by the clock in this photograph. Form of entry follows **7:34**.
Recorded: **2:59**
